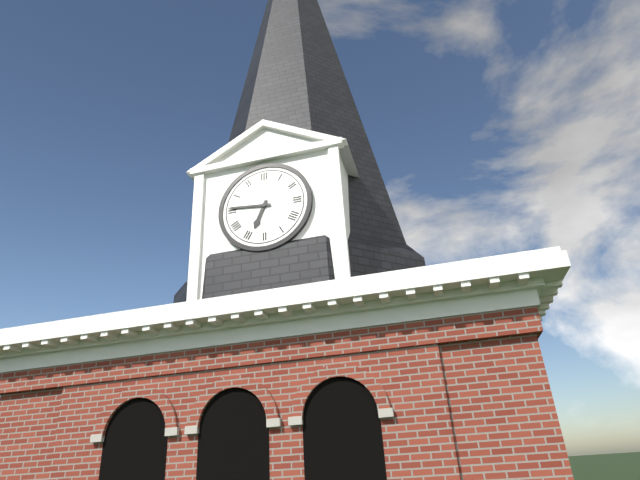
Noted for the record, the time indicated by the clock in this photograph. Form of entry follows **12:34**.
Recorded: **6:46**
